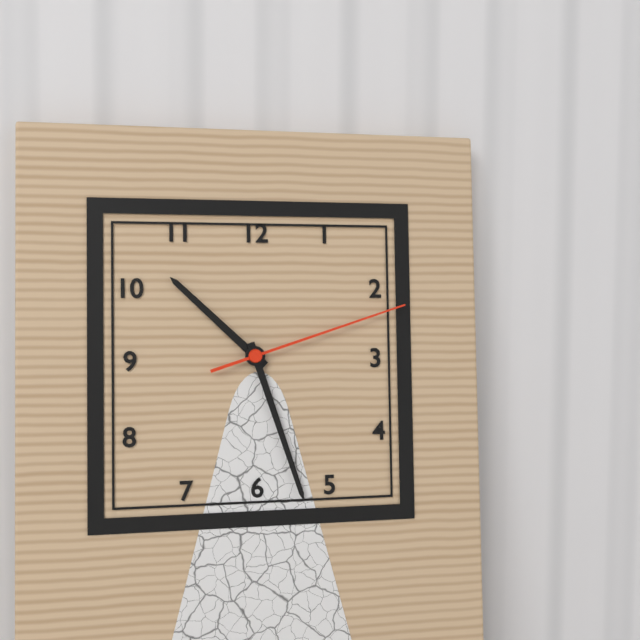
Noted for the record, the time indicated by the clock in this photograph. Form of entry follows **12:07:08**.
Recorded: **10:27:12**
